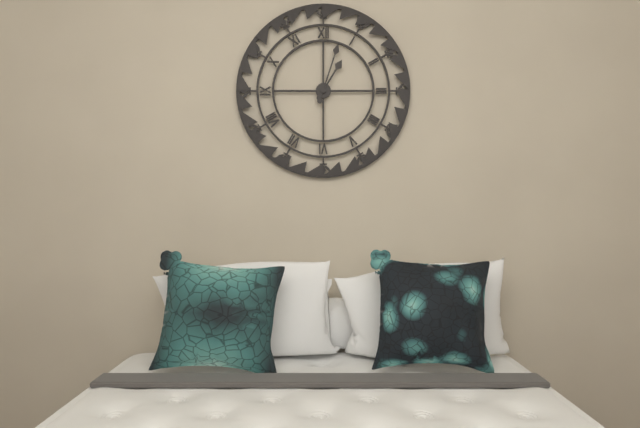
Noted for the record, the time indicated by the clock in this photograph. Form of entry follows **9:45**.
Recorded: **1:03**
